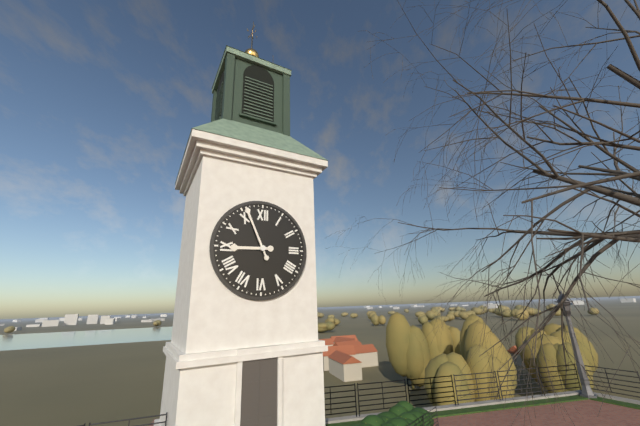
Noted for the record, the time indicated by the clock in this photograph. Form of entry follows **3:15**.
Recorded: **8:56**
